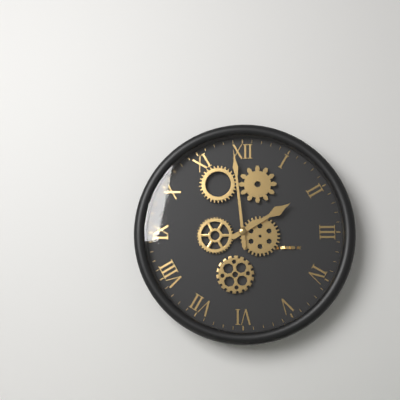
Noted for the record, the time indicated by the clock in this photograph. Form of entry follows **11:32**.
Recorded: **1:59**
